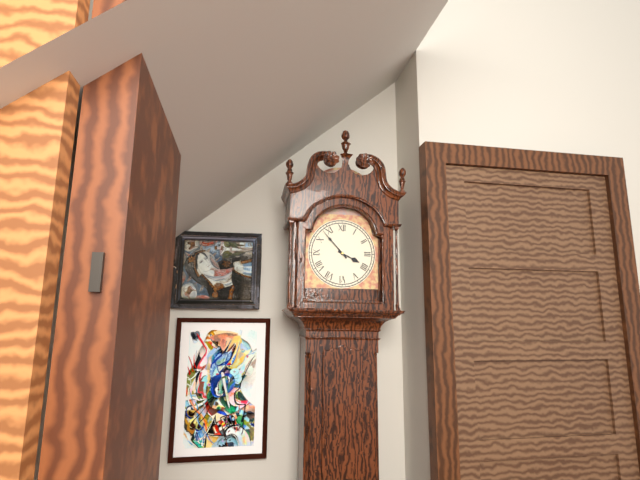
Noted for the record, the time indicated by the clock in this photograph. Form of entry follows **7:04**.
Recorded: **3:53**
